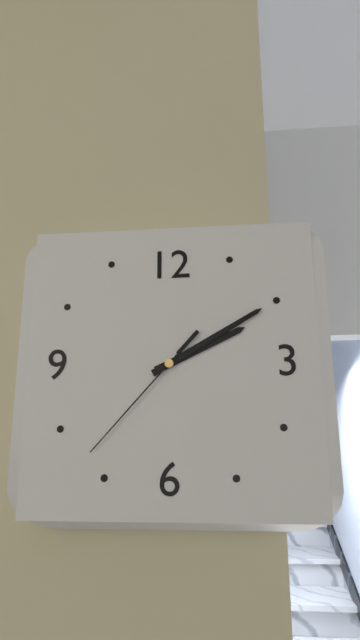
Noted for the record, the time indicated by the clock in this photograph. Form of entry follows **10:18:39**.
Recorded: **2:10:37**
